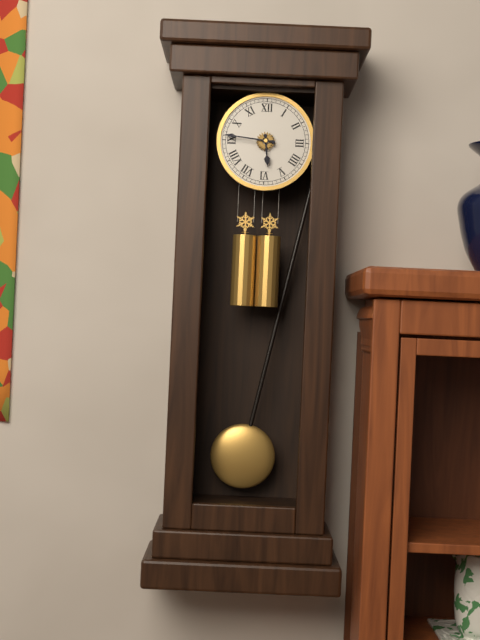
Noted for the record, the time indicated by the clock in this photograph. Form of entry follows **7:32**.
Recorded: **5:46**
